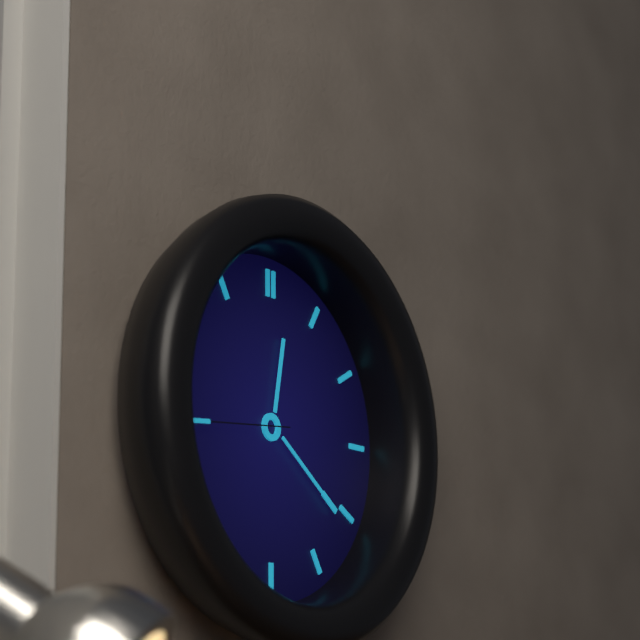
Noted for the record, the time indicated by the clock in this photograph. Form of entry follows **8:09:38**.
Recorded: **12:21:44**
